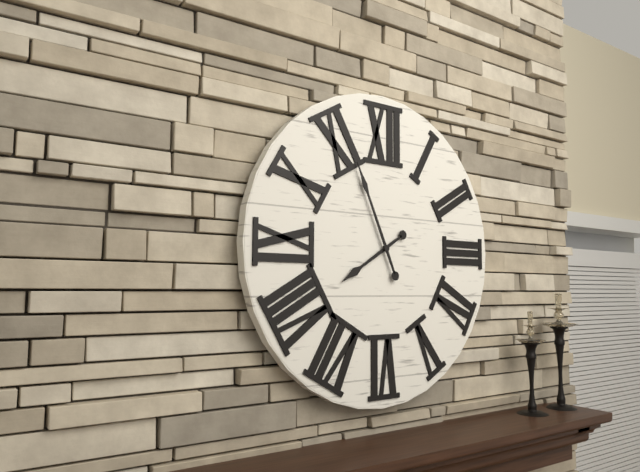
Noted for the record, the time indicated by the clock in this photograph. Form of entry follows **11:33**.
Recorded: **7:56**
